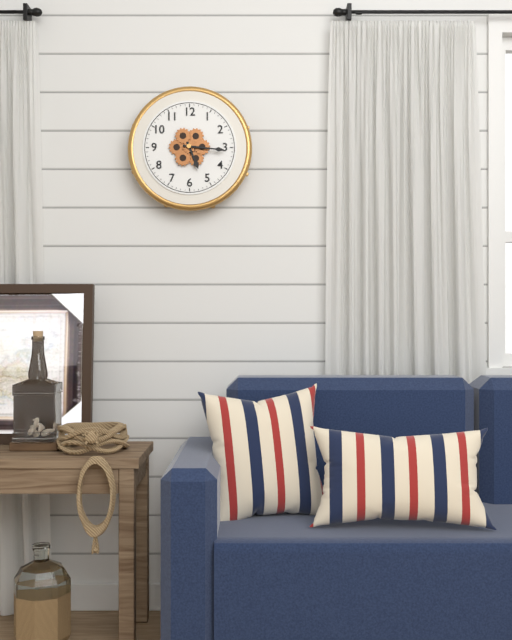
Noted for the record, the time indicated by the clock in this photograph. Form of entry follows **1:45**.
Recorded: **5:16**
